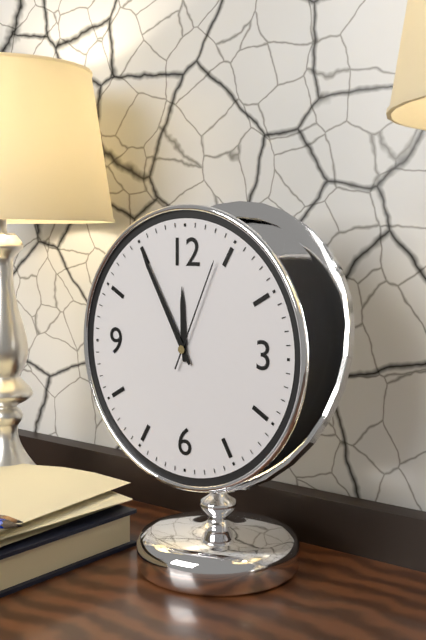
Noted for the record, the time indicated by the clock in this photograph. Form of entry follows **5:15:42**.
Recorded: **11:55:04**
